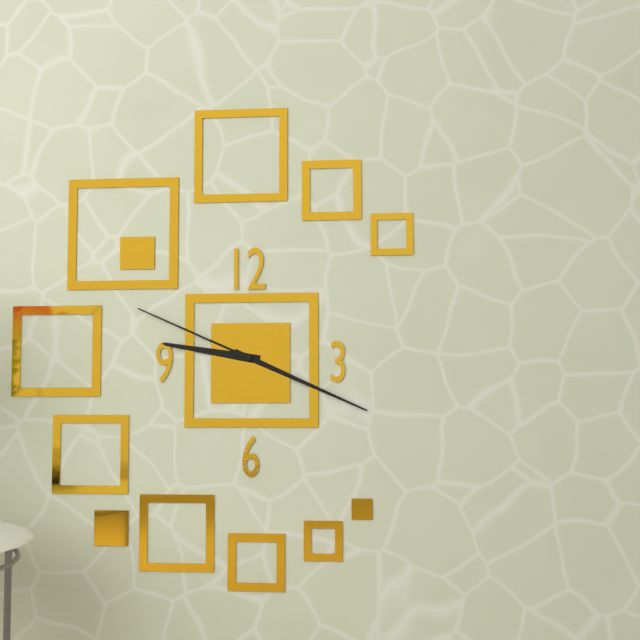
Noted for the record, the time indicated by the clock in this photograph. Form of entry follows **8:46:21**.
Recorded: **9:19:49**
